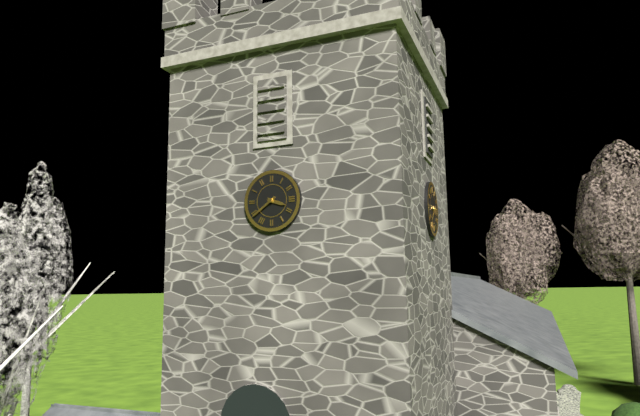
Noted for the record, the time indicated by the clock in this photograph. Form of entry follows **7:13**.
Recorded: **3:39**
